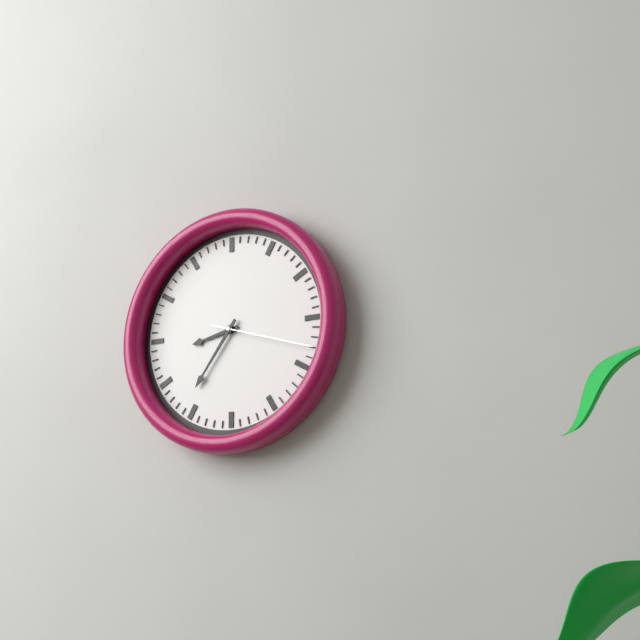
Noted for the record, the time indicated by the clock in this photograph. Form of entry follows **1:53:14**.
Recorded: **8:36:18**
